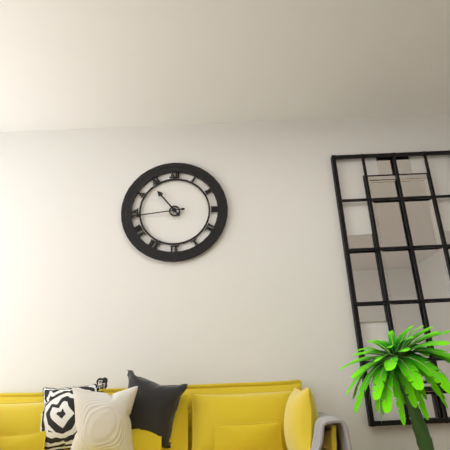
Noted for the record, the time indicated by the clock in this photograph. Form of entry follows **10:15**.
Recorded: **10:44**
